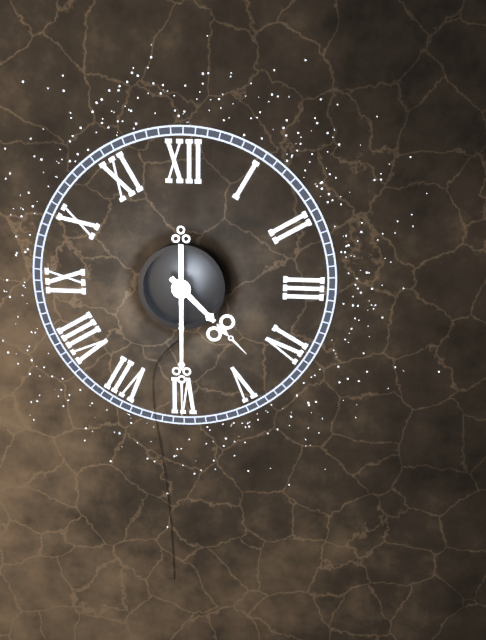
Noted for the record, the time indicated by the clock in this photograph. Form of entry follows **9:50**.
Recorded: **4:30**
